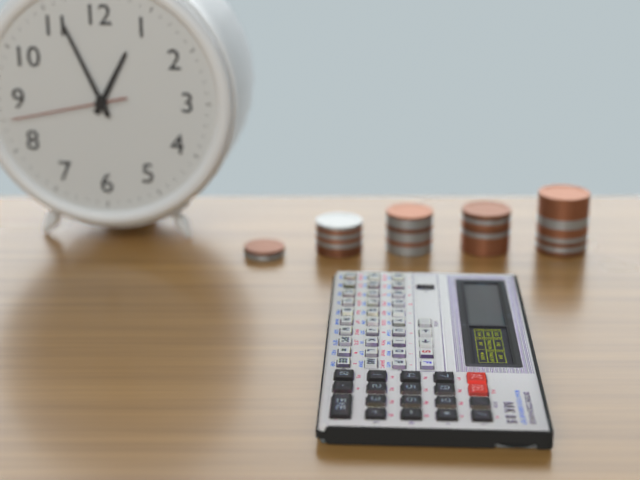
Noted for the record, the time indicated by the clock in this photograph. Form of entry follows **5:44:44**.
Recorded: **12:56:43**
